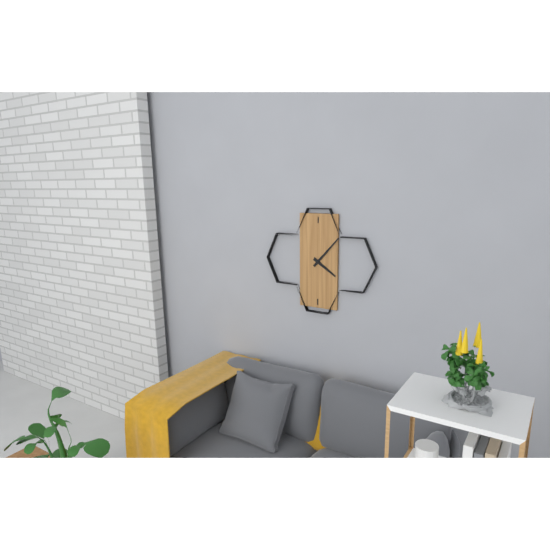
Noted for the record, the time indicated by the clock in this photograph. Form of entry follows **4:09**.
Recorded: **4:07**
